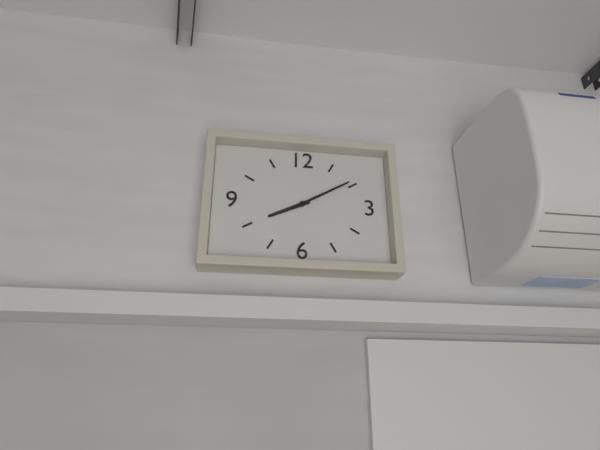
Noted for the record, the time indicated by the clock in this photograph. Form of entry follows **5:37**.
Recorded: **8:10**
